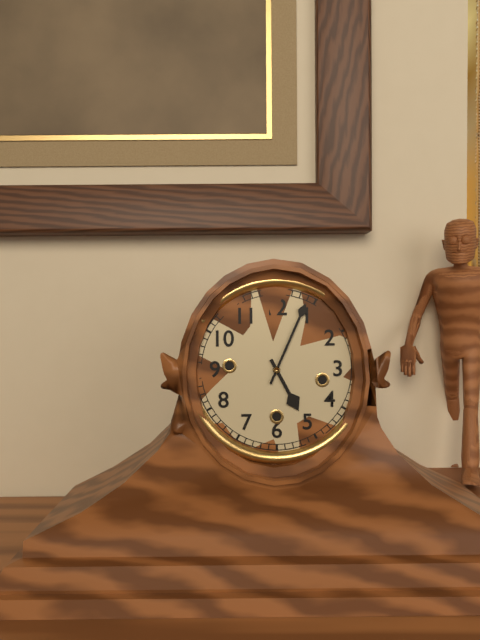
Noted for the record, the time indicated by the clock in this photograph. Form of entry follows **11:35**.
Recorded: **5:04**
